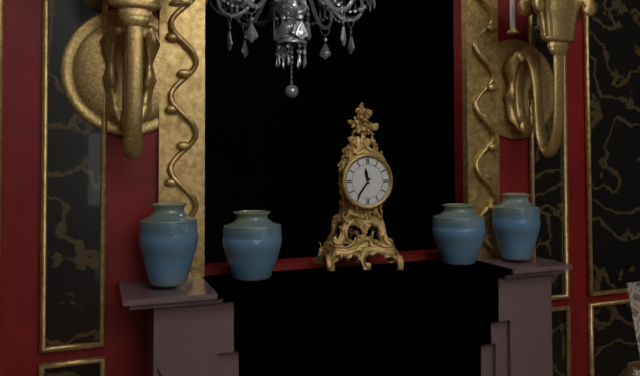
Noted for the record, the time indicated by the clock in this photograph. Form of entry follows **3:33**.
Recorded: **11:36**
